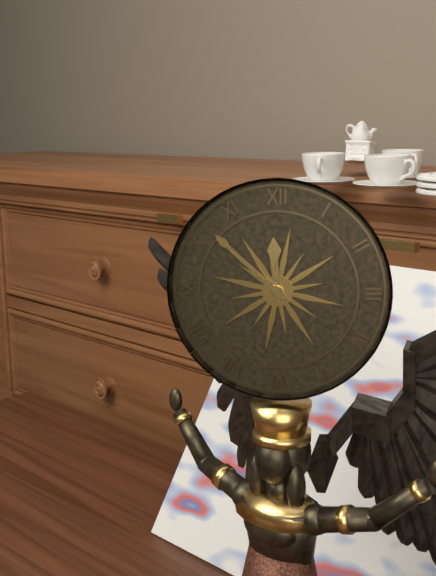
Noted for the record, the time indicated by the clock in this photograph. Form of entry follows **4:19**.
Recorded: **11:52**
